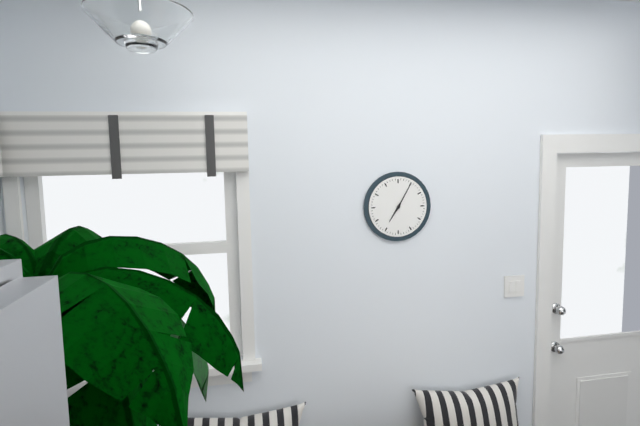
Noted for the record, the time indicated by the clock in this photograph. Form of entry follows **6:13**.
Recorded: **7:05**
